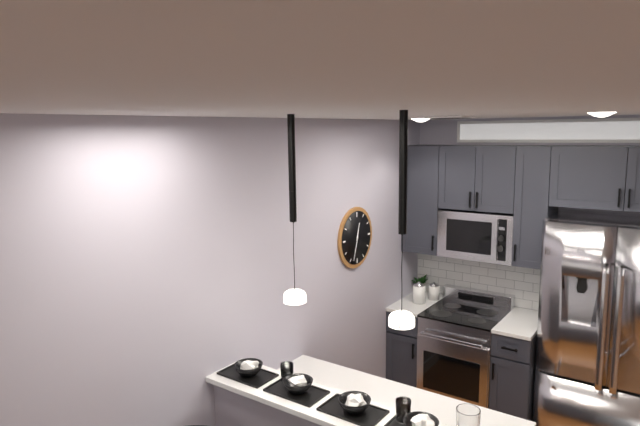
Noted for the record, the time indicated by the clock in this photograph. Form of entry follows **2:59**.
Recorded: **12:33**
